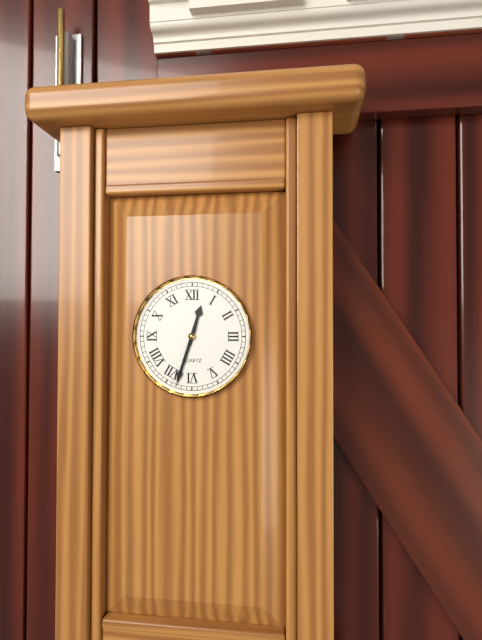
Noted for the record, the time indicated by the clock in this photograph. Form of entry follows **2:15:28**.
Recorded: **12:33:33**
